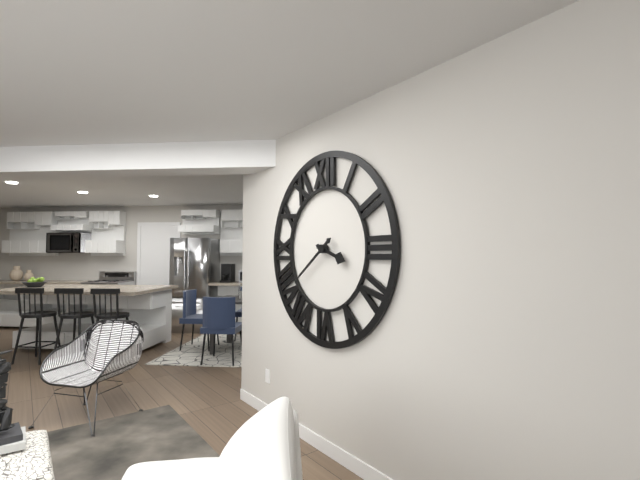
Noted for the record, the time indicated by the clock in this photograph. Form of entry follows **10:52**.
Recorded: **3:39**
